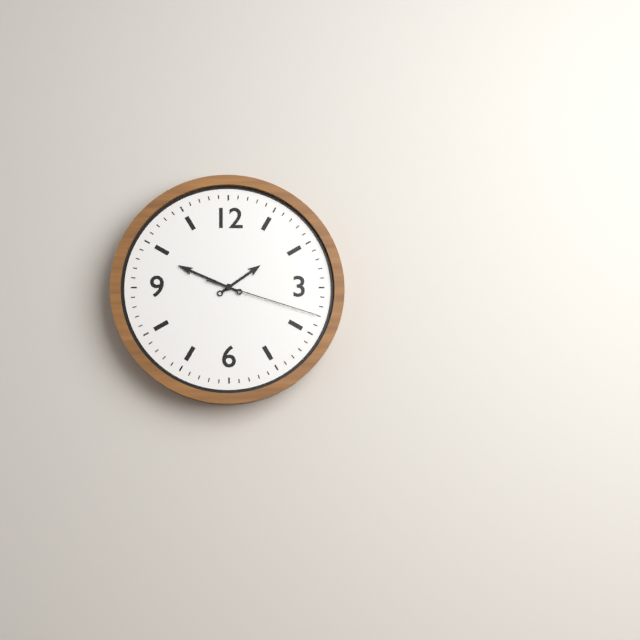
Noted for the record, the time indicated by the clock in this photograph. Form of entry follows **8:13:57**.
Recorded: **1:49:18**
